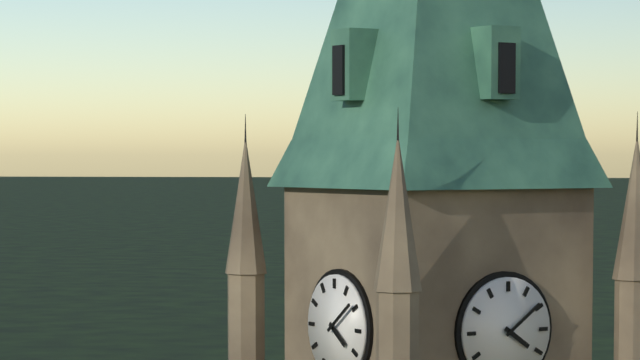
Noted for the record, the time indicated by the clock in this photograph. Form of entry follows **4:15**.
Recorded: **4:09**
